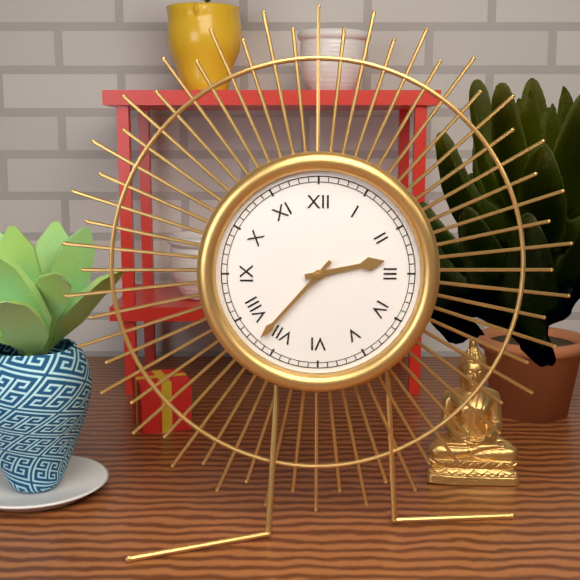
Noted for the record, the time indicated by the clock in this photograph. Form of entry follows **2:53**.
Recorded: **2:37**
